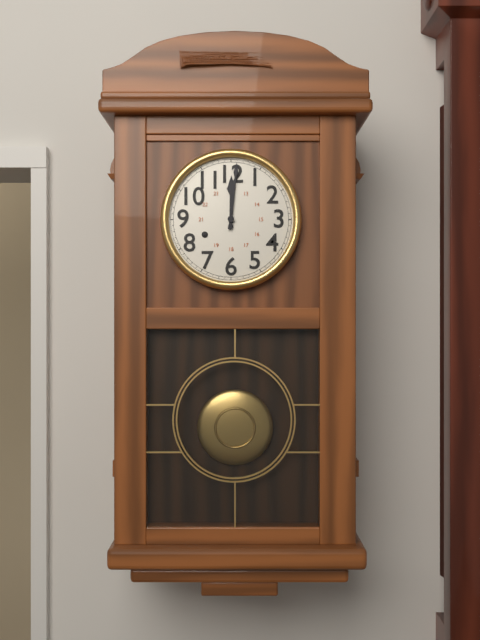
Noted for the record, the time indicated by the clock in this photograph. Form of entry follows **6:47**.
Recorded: **12:01**
